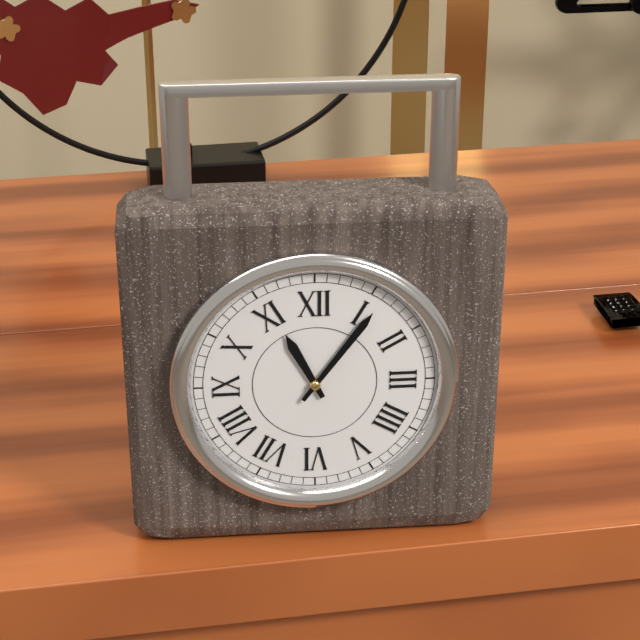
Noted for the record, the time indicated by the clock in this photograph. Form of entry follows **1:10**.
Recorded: **11:06**
